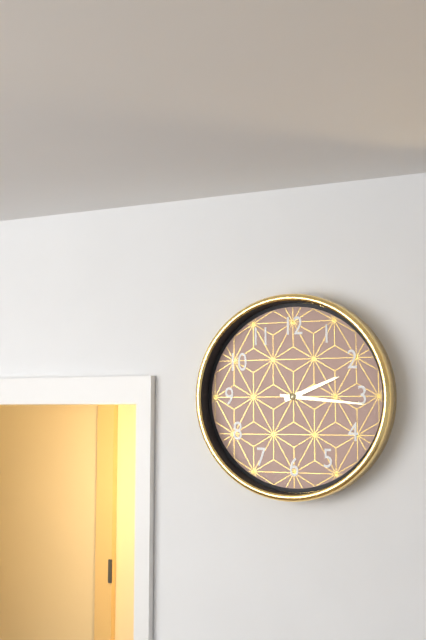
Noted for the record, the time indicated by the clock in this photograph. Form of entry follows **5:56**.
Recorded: **2:16**
